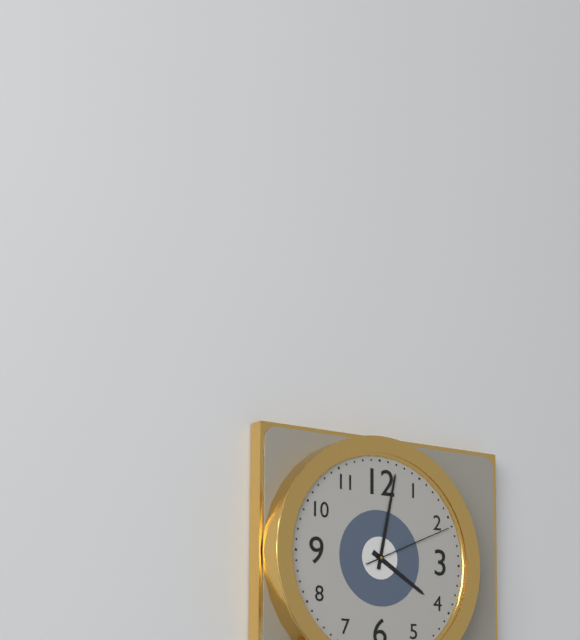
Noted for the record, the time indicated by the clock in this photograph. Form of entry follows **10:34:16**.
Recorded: **4:02:11**
